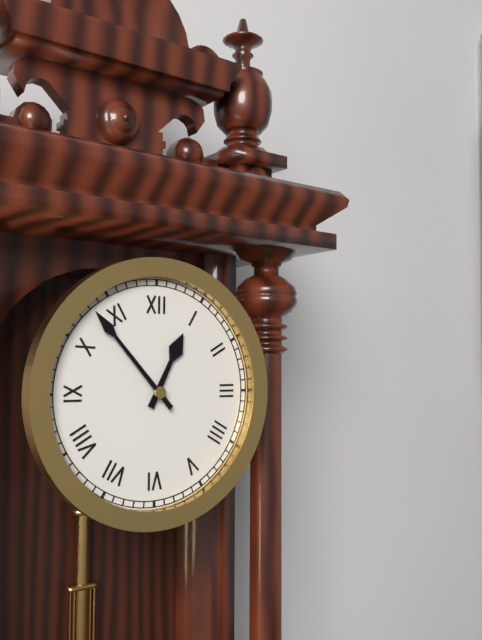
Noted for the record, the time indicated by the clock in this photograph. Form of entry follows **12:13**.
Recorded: **12:53**
